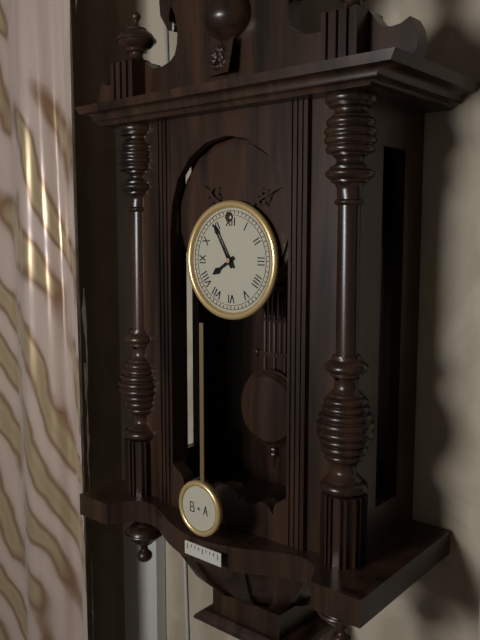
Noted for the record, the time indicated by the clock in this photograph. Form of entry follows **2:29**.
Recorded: **7:55**
